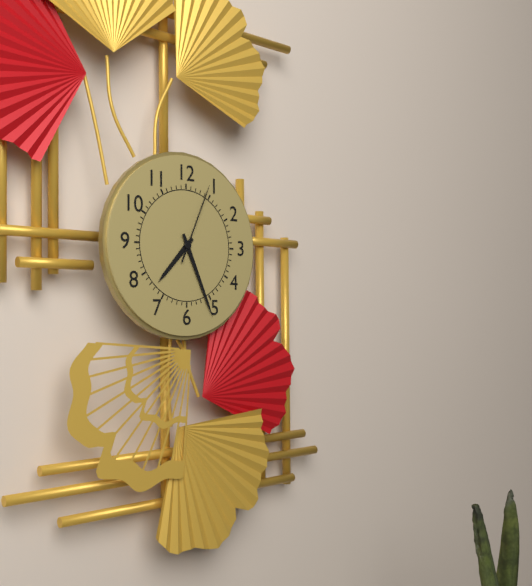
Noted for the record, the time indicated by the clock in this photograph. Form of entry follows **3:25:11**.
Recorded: **7:26:04**
